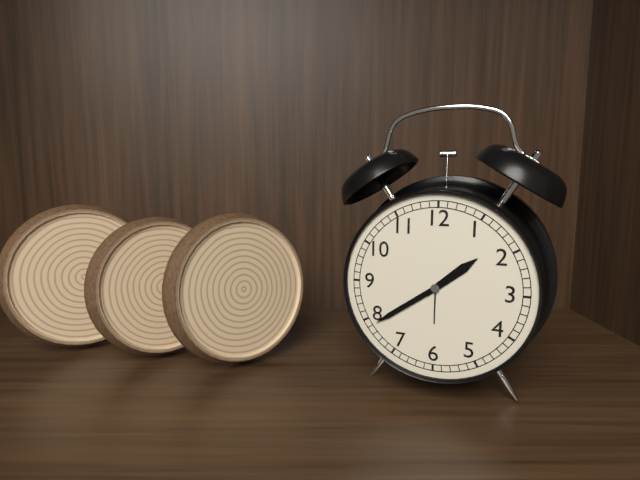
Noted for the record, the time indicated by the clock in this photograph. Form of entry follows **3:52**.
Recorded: **1:39**
